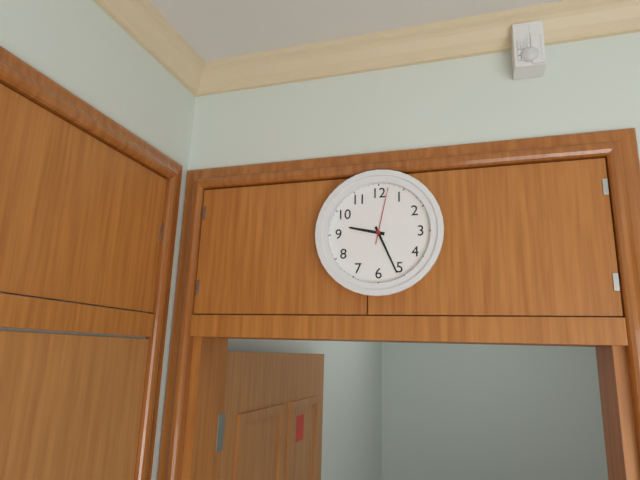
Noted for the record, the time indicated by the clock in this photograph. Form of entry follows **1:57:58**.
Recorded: **9:26:02**
